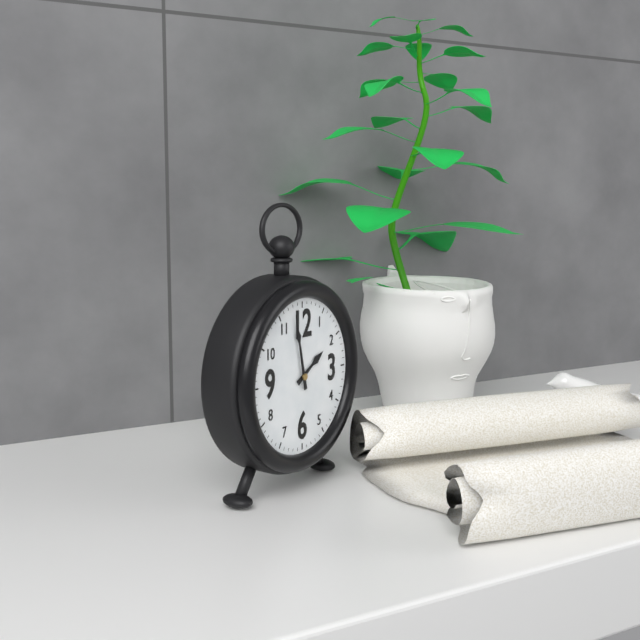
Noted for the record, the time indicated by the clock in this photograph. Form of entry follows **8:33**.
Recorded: **1:58**
